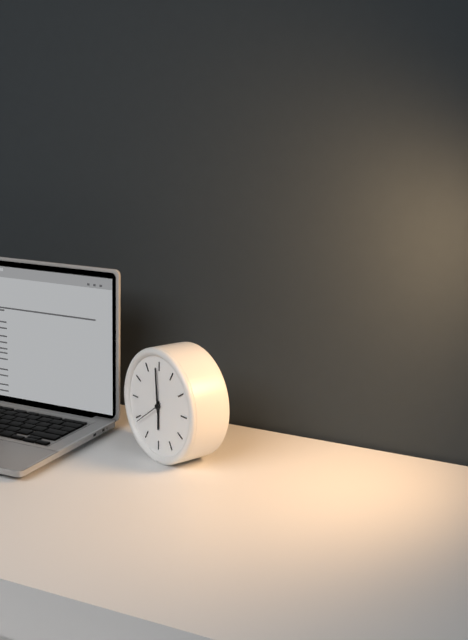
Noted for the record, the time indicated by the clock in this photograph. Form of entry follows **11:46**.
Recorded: **5:59**
